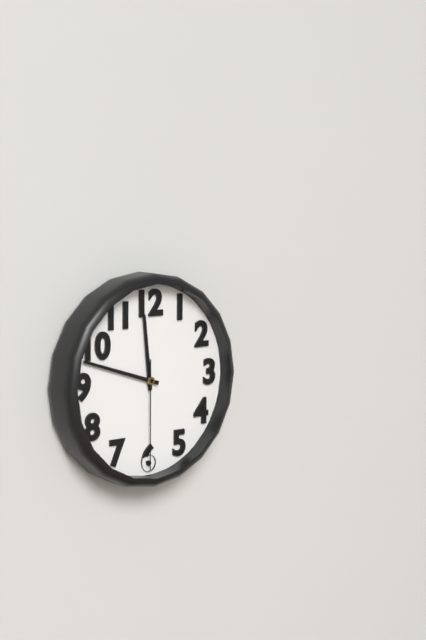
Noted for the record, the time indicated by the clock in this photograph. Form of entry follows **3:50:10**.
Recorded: **11:48:30**
